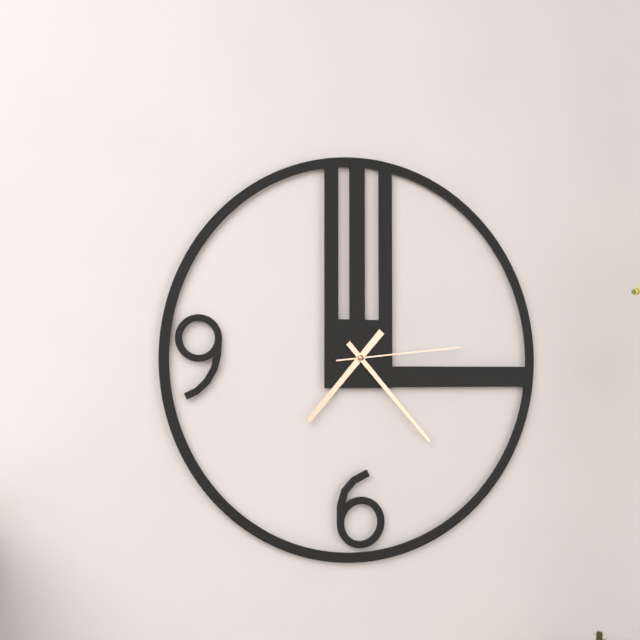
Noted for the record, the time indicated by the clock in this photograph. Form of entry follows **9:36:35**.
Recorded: **7:23:14**
